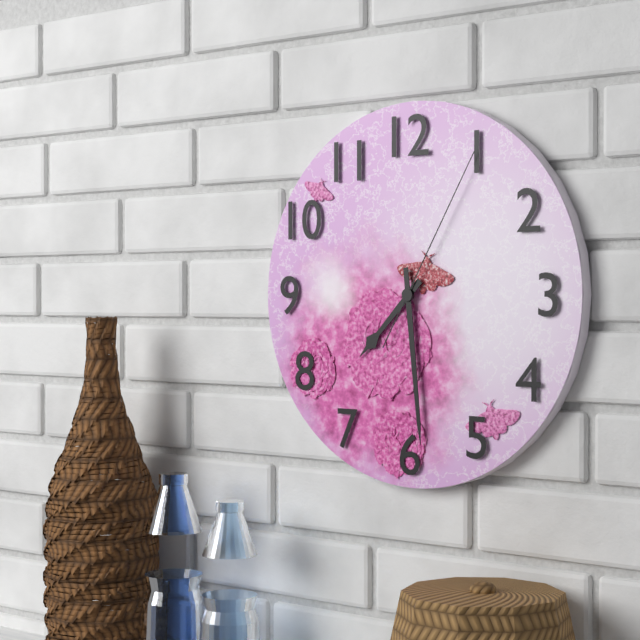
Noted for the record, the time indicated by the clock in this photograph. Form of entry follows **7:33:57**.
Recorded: **7:29:05**
